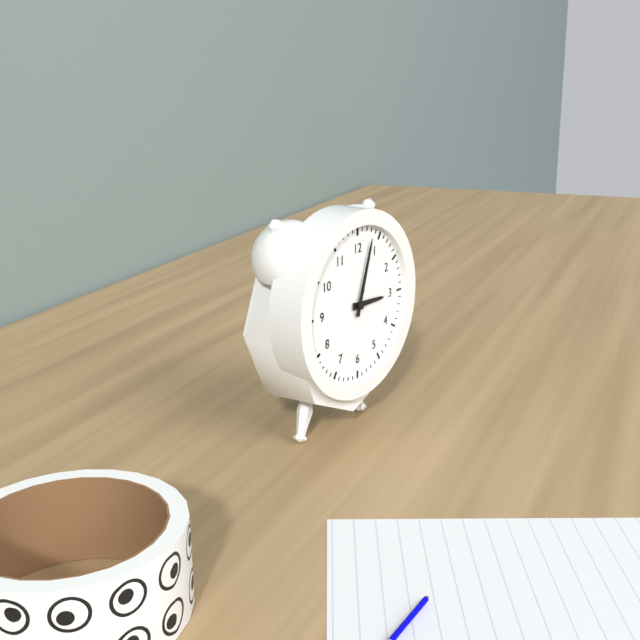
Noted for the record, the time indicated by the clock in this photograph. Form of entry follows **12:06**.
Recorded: **3:03**
